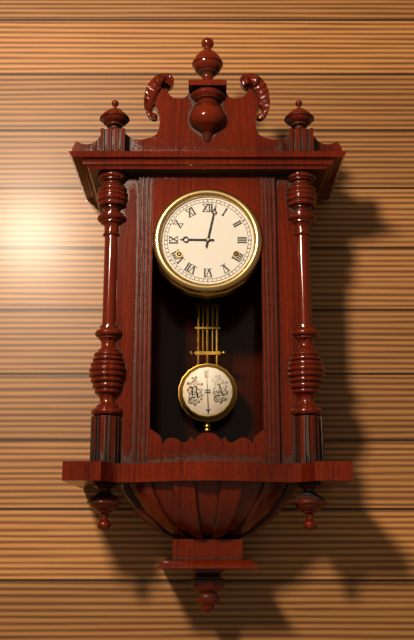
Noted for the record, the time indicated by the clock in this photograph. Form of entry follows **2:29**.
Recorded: **9:02**
